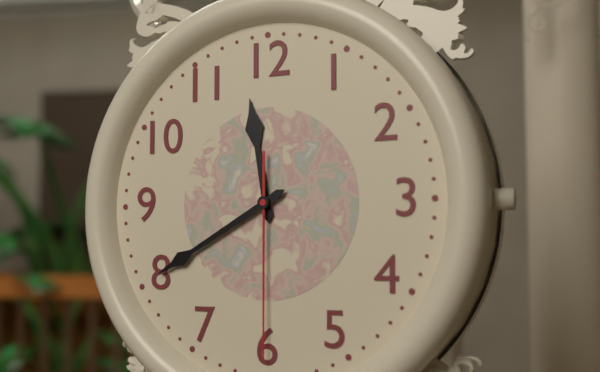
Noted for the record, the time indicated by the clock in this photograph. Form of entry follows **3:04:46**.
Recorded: **11:40:30**
